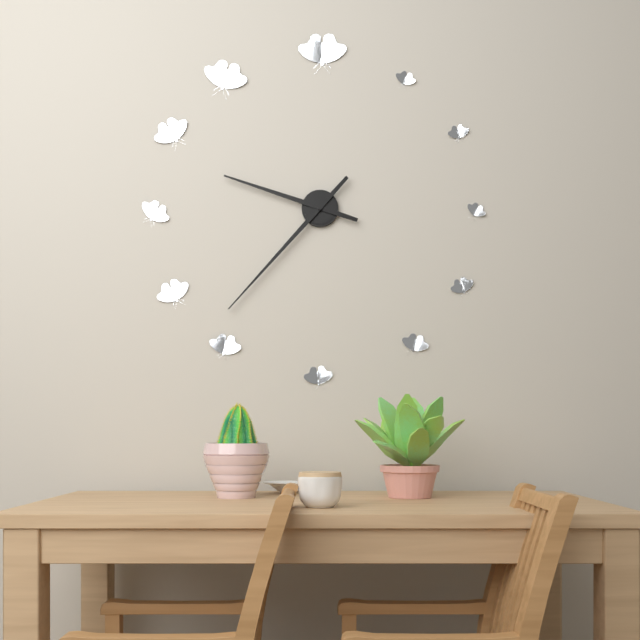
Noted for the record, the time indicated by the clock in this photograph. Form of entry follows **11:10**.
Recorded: **9:37**
